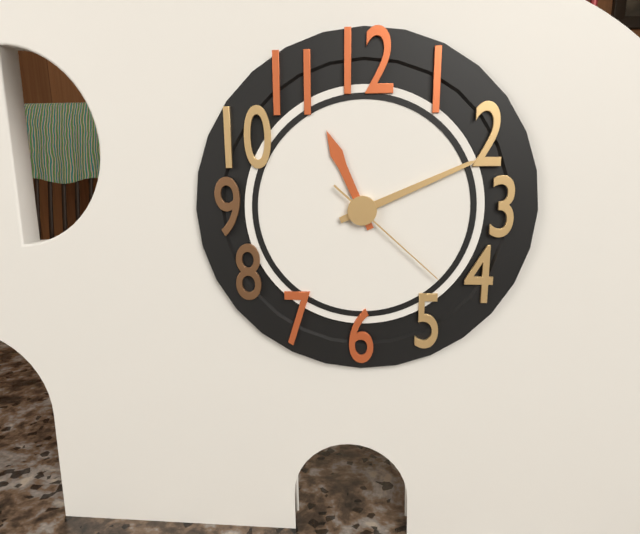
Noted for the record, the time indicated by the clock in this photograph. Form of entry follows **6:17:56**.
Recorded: **11:11:22**
